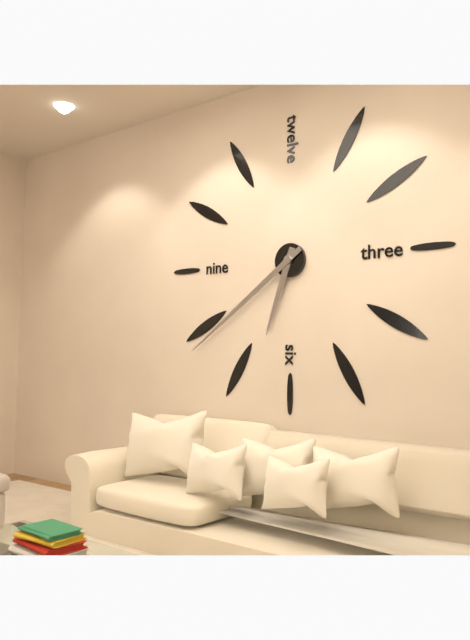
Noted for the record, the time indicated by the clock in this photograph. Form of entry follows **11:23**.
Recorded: **6:39**
